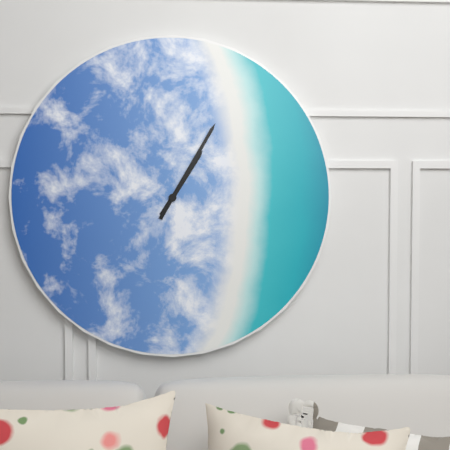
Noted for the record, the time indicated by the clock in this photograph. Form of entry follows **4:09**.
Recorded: **1:05**
